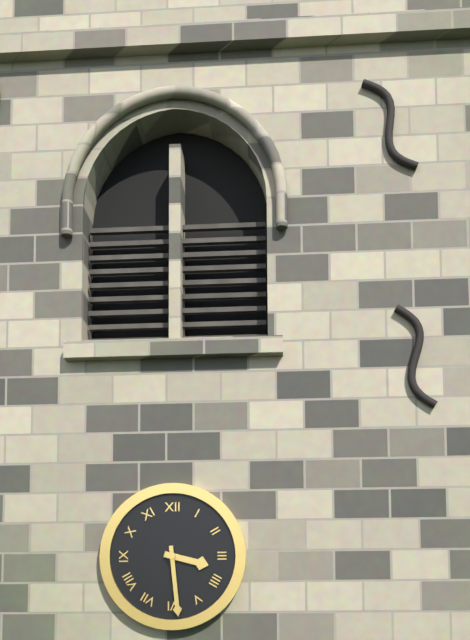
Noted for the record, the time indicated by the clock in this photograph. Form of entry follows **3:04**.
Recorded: **3:29**
